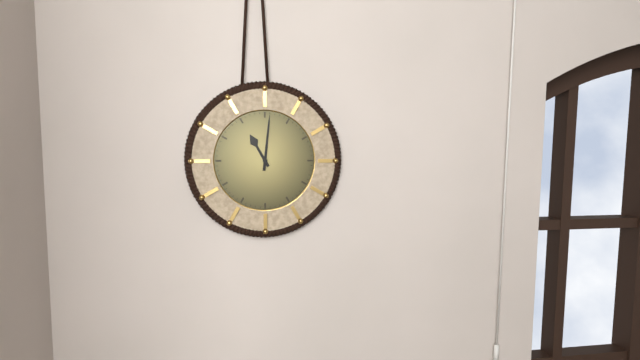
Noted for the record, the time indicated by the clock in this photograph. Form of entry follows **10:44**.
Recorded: **11:01**
